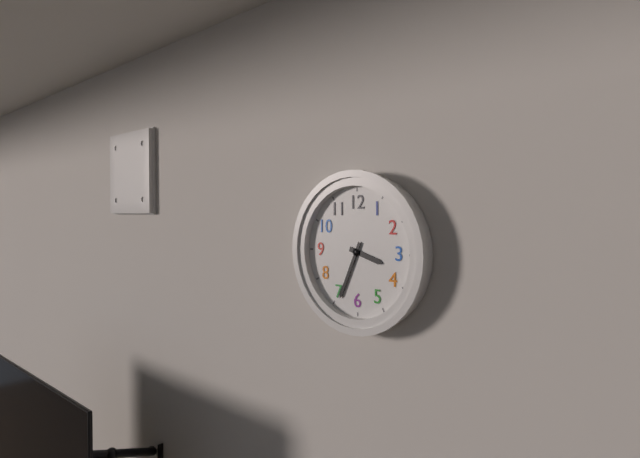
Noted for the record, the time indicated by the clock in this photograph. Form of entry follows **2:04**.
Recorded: **3:34**
